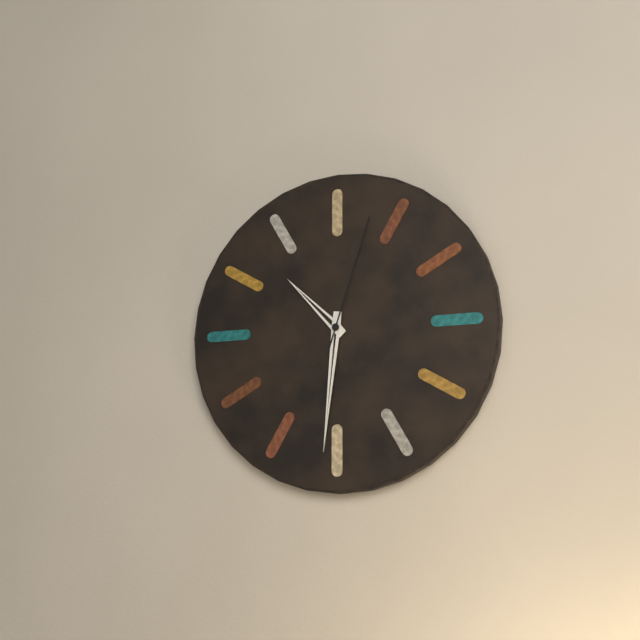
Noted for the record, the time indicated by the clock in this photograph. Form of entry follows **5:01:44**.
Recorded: **10:31:03**
